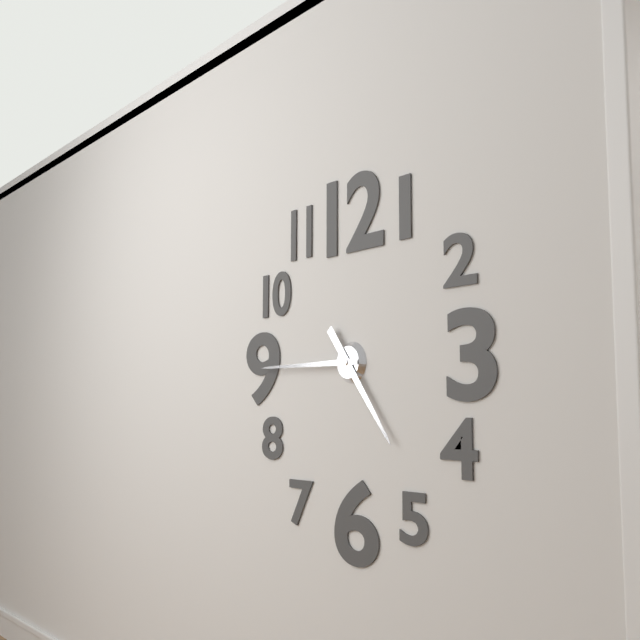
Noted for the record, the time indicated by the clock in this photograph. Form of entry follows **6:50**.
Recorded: **4:45**
